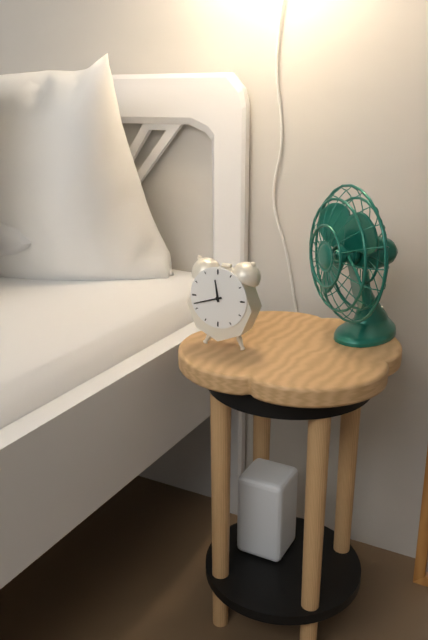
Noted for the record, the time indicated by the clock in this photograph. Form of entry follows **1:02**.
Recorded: **11:42**
